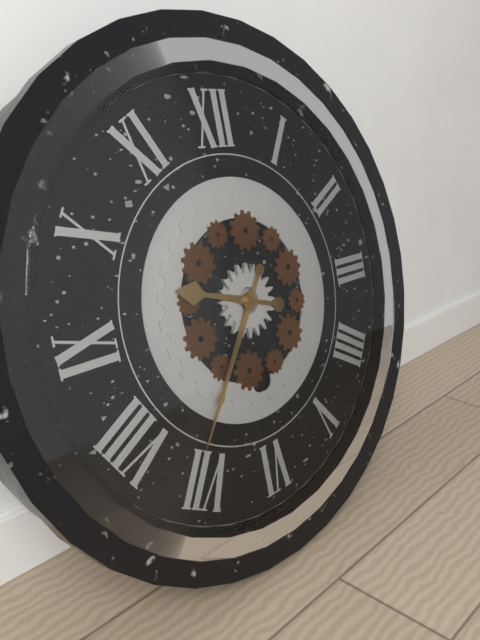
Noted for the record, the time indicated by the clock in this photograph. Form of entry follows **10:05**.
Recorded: **9:36**
